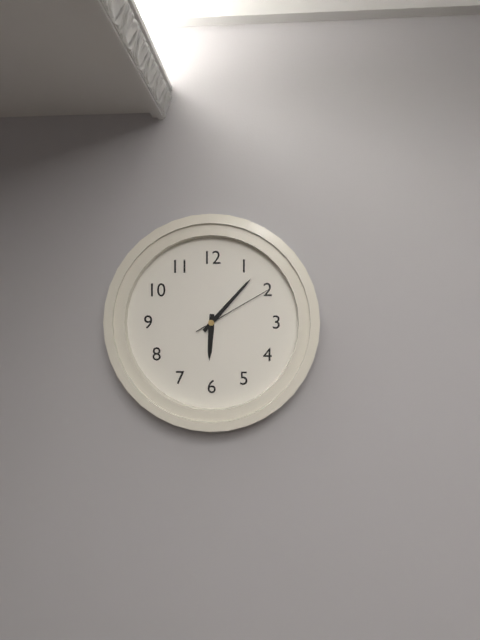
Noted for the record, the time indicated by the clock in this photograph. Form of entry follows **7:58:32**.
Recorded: **6:07:10**
